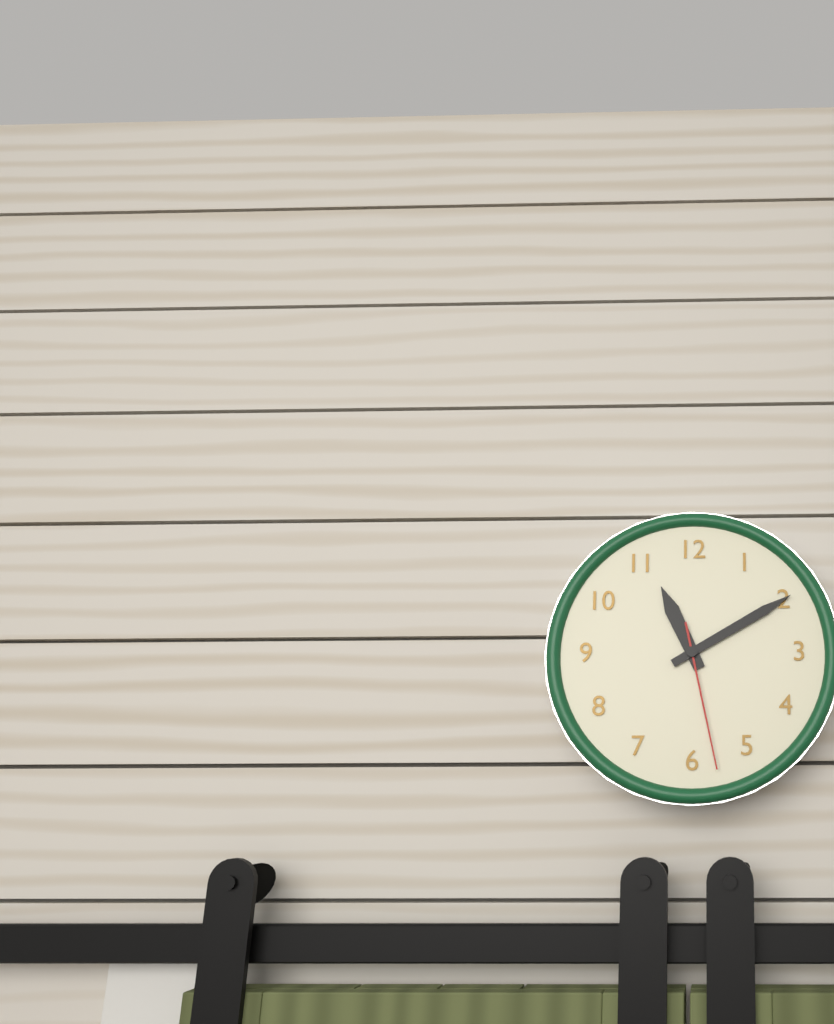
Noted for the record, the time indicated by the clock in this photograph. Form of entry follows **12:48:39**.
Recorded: **11:10:28**
